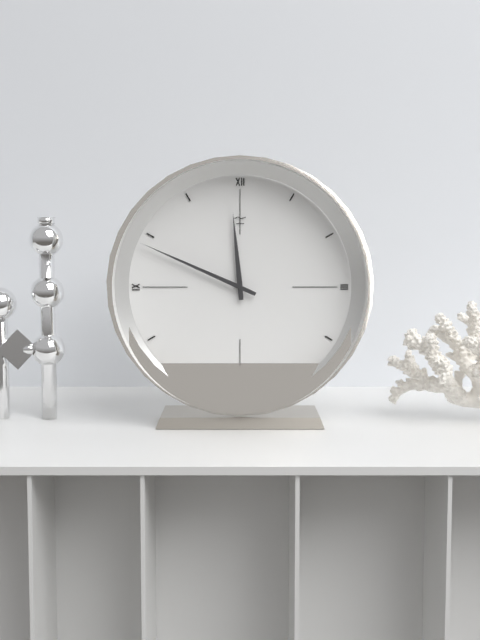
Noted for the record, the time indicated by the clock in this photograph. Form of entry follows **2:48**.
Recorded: **11:49**
